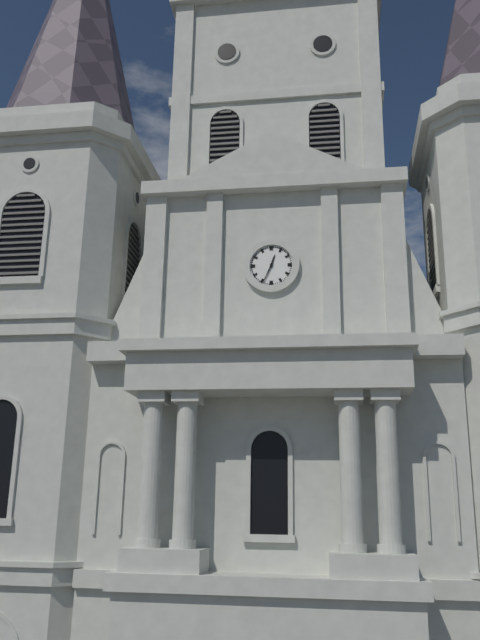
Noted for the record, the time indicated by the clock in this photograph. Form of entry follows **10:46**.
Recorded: **12:34**
